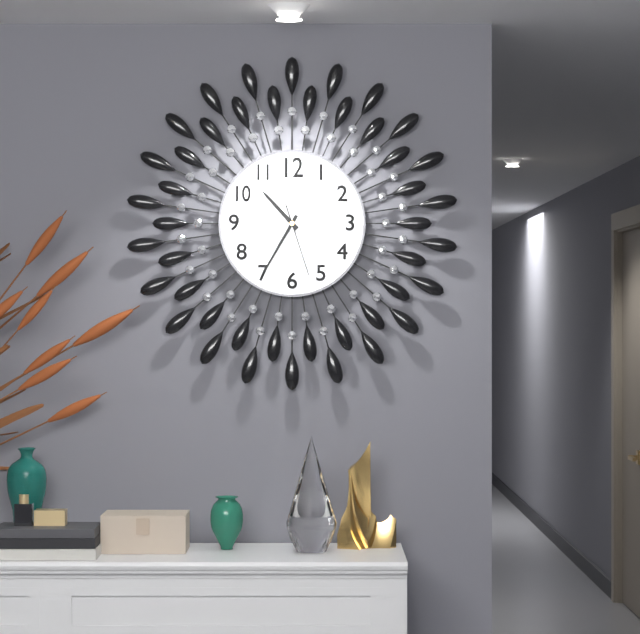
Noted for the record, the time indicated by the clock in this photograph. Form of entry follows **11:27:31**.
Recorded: **10:35:27**
